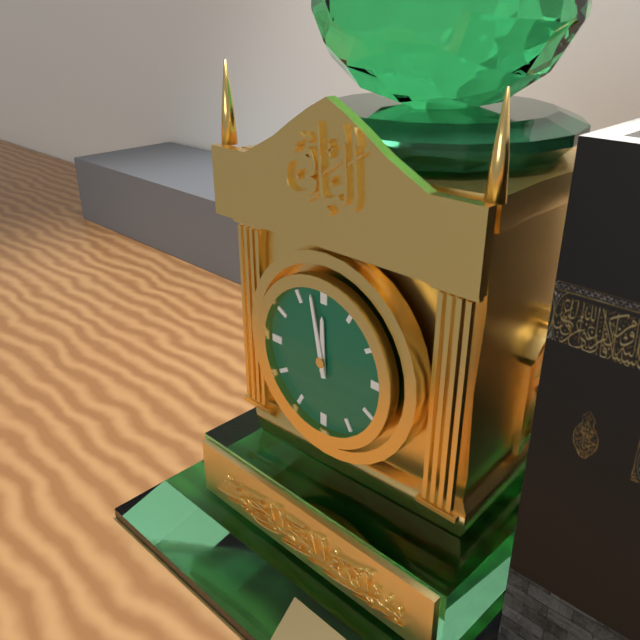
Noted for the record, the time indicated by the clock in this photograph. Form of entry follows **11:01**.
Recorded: **11:58**
